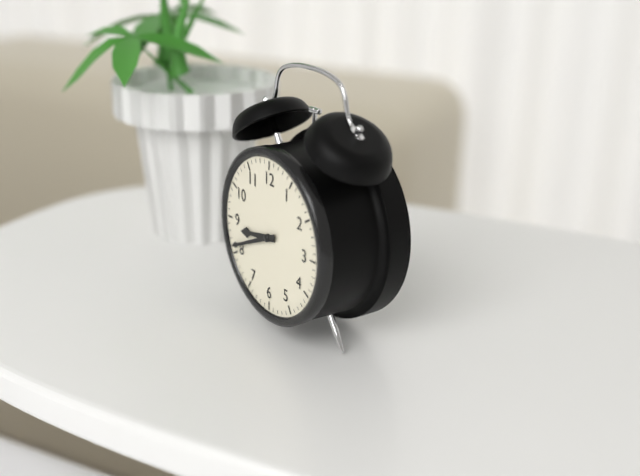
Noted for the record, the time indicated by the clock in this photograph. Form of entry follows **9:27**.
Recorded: **8:41**
